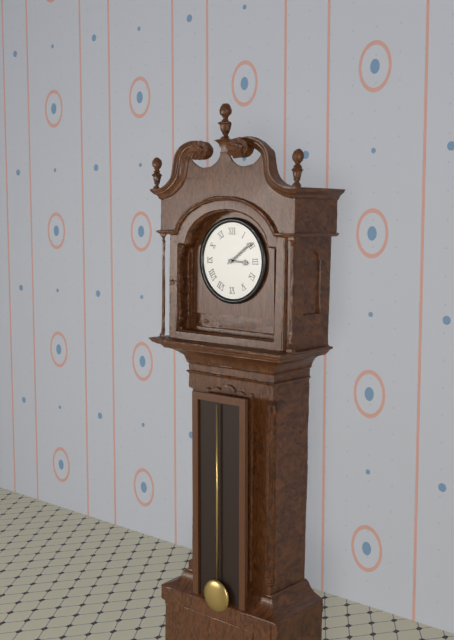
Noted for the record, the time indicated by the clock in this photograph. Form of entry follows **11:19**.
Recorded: **3:09**
